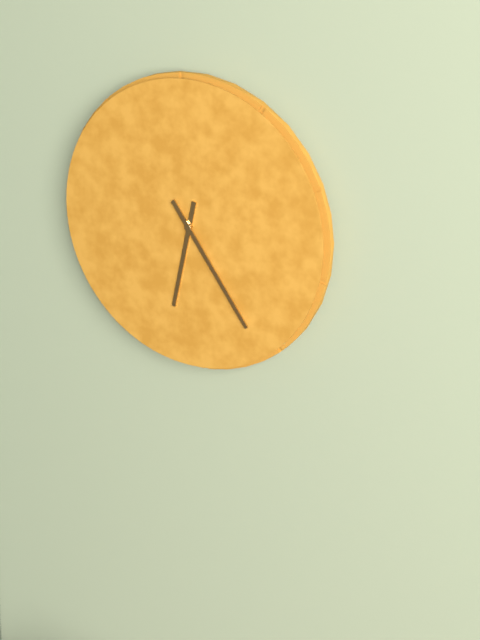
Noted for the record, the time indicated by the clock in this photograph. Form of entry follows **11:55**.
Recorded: **6:24**
